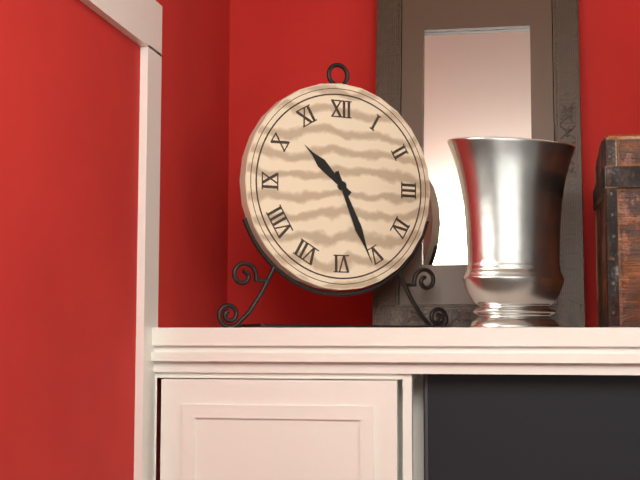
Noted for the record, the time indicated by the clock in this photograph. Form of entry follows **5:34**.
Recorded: **10:26**
